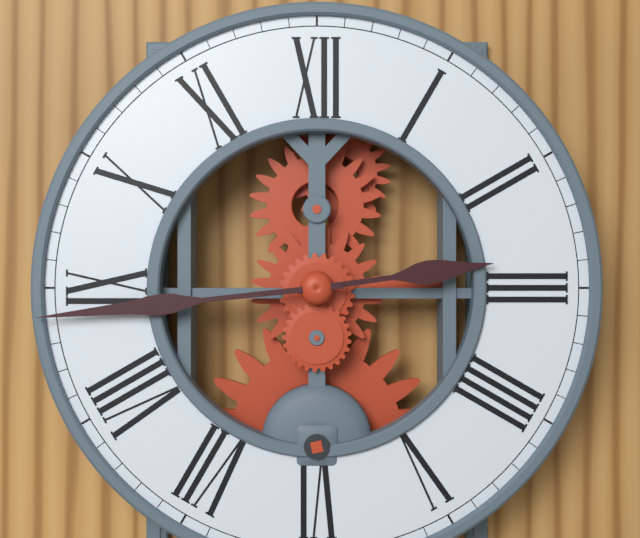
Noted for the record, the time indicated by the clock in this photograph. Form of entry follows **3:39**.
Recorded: **2:44**
